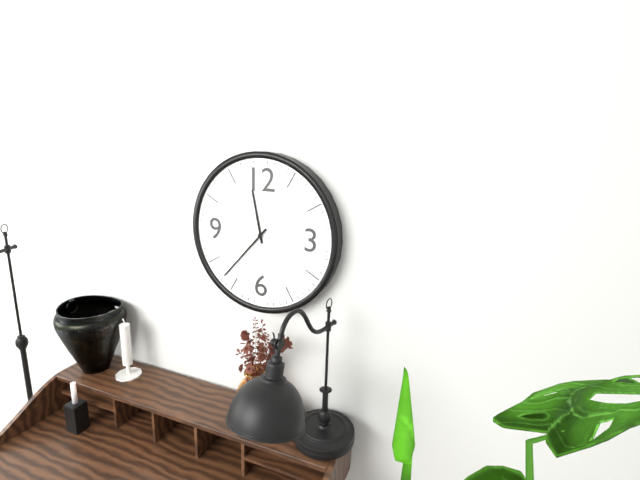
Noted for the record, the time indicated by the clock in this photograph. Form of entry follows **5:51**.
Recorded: **11:37**
